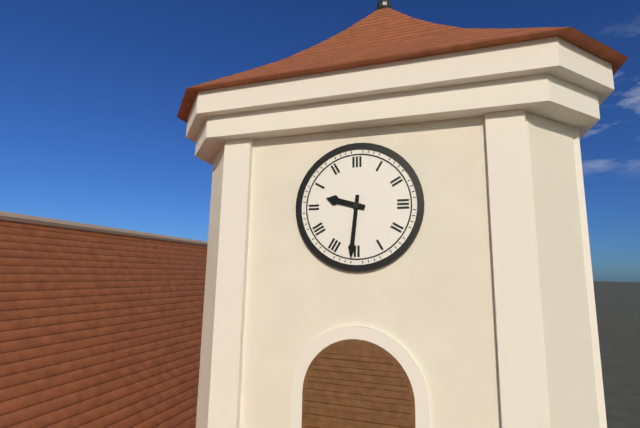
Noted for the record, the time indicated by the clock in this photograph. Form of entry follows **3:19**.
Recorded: **9:31**
